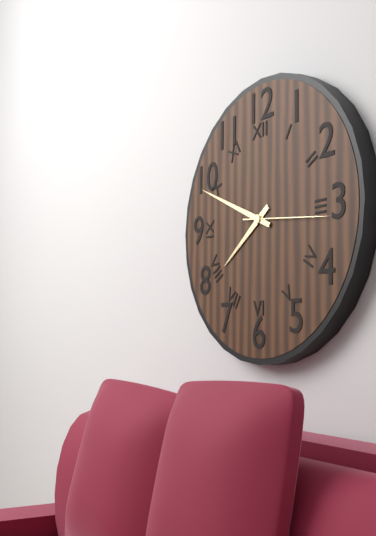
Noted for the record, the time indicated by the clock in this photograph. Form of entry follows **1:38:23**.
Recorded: **7:49:16**
